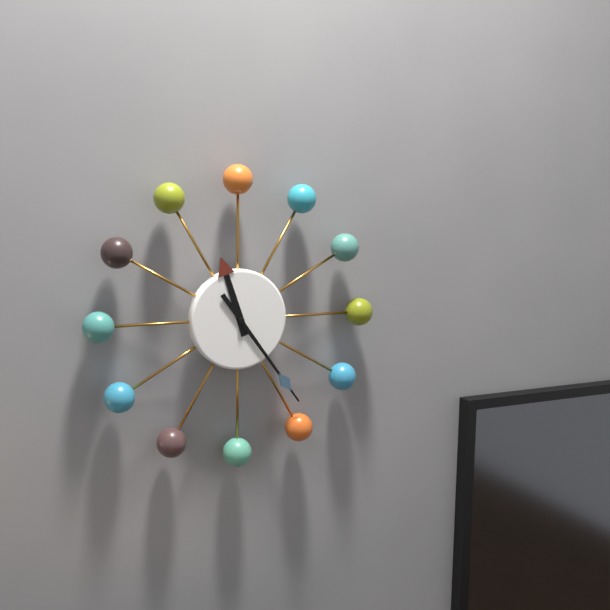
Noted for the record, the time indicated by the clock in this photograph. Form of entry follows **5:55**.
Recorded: **11:24**
